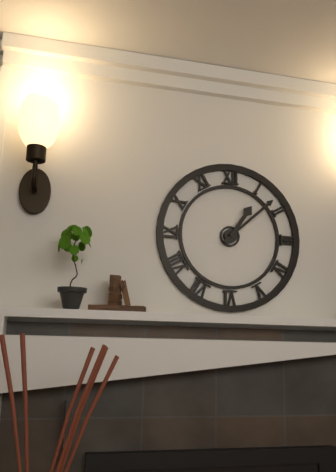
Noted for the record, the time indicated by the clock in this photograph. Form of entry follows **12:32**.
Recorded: **1:08**
